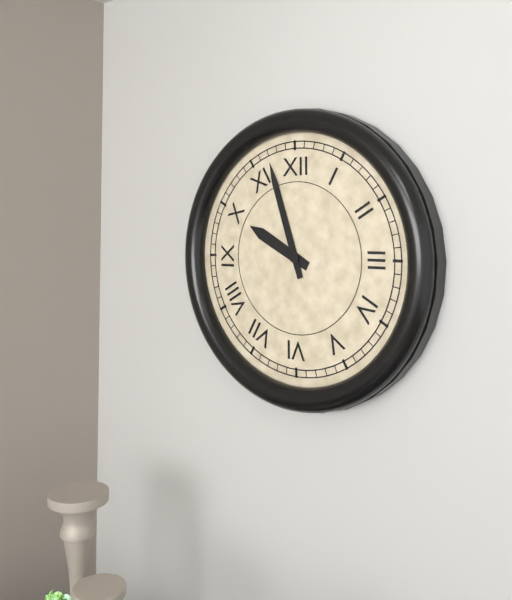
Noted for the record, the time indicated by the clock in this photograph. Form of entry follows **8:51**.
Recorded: **9:57**
